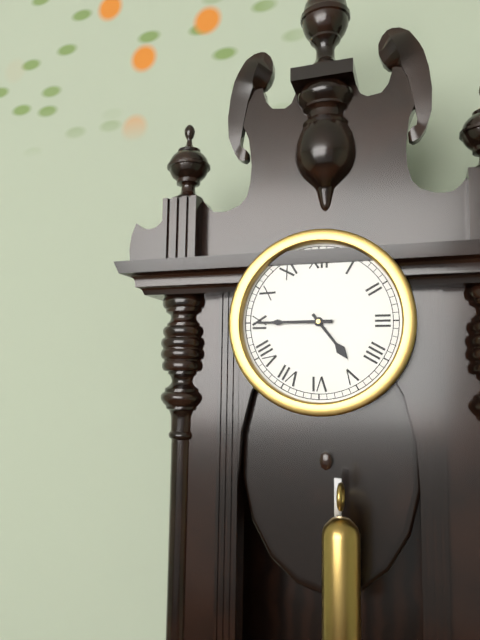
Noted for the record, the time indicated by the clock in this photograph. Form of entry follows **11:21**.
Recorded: **4:45**
